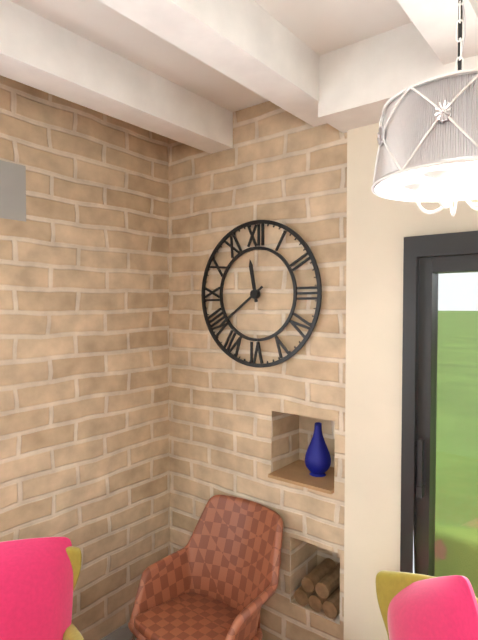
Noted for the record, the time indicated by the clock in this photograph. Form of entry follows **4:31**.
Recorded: **11:39**
